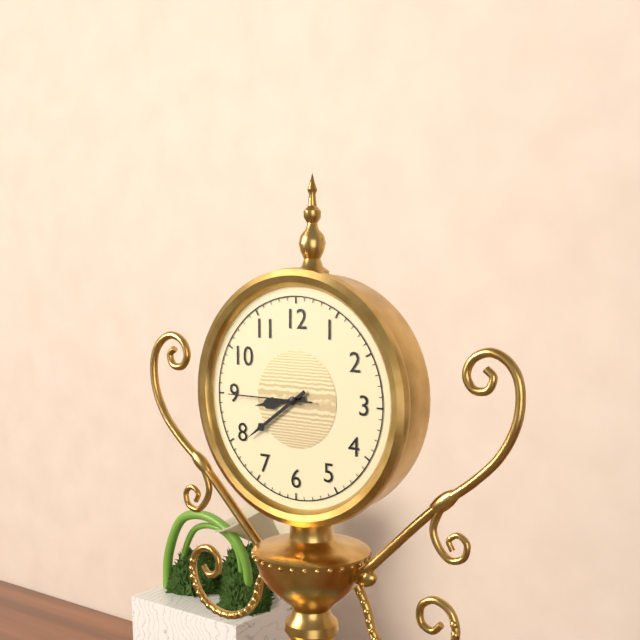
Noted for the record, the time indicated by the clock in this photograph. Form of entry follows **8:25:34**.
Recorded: **8:39:45**
